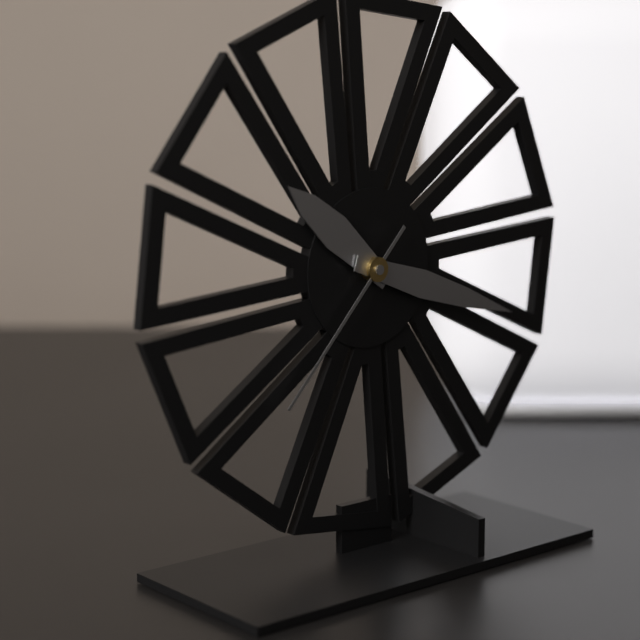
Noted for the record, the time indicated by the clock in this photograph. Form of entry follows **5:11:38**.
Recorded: **10:18:37**
